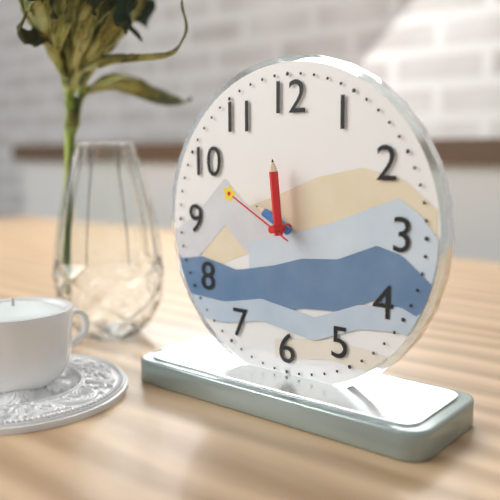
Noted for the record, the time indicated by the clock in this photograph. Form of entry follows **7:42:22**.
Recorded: **9:59:50**
